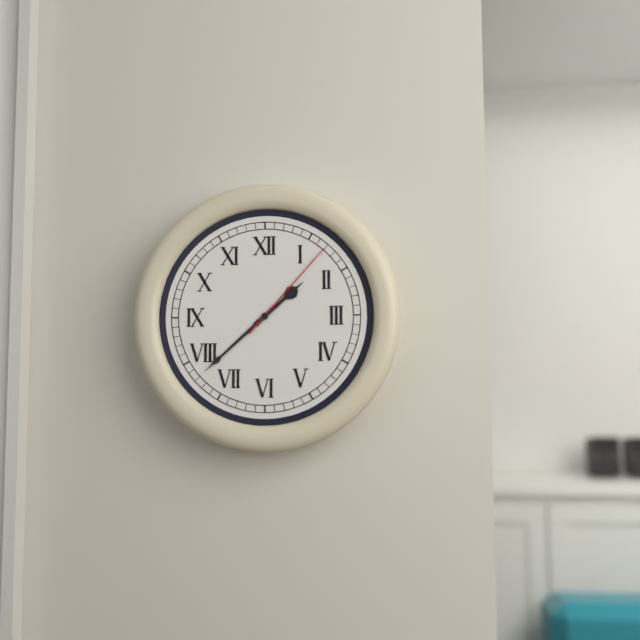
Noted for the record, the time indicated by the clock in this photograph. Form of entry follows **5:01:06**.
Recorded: **1:38:07**
